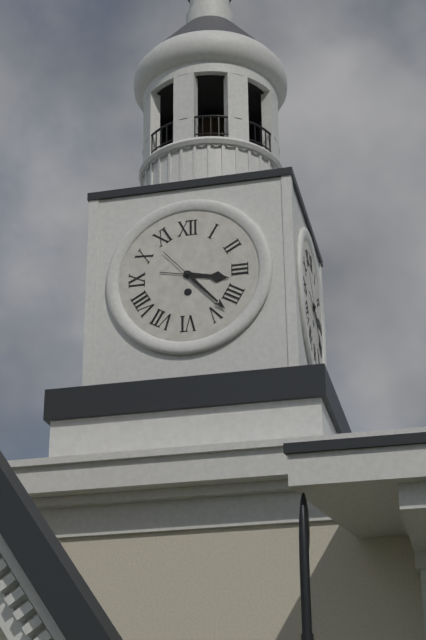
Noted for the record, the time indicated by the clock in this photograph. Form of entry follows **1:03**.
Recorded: **3:23**
